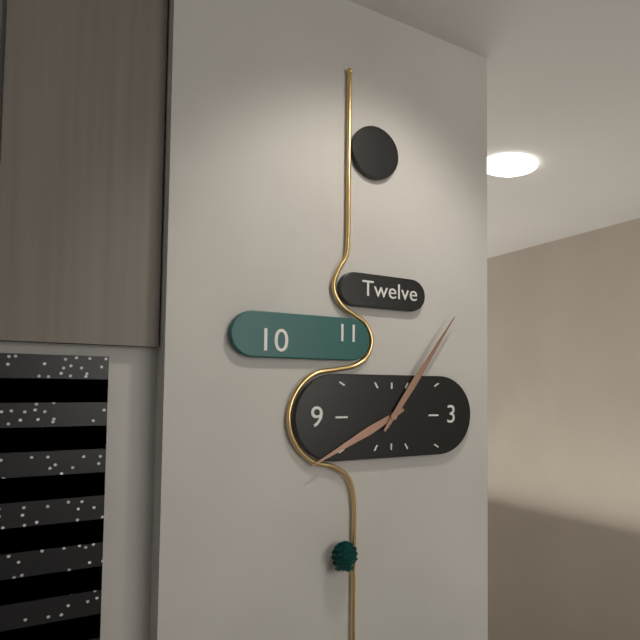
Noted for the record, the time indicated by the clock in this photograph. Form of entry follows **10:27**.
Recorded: **8:06**
